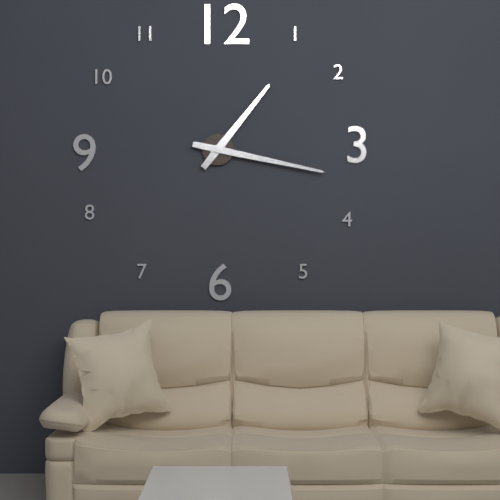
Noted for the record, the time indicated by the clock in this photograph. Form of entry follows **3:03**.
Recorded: **1:17**
